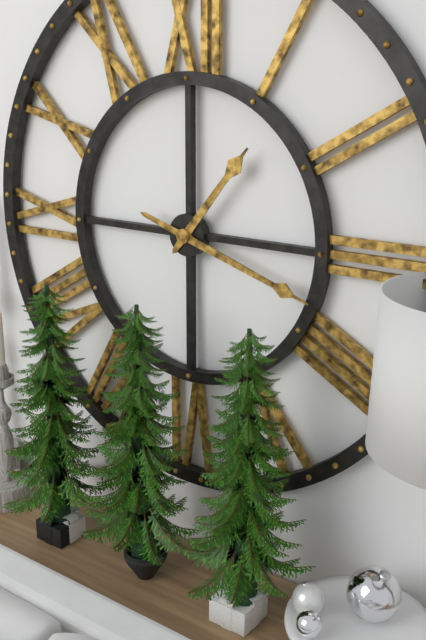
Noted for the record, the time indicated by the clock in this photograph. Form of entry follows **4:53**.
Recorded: **1:18**
